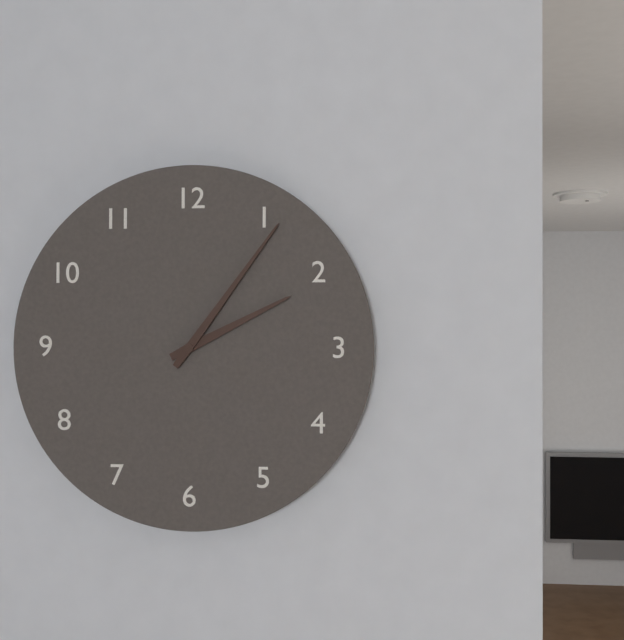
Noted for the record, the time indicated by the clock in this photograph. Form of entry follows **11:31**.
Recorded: **2:06**
